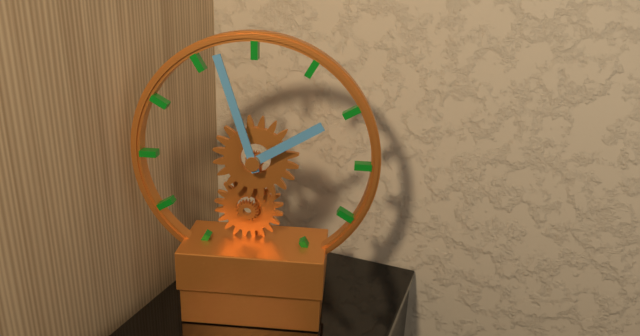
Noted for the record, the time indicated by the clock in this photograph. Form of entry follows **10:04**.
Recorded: **1:57**
